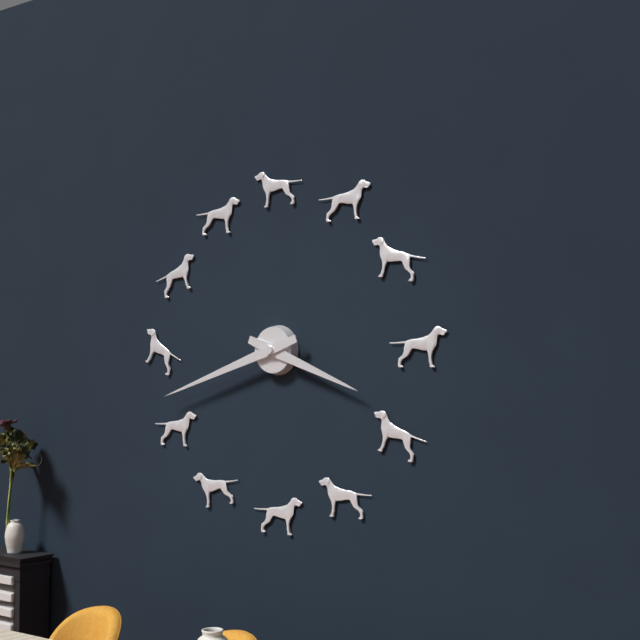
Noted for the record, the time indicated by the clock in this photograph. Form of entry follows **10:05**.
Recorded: **3:42**
